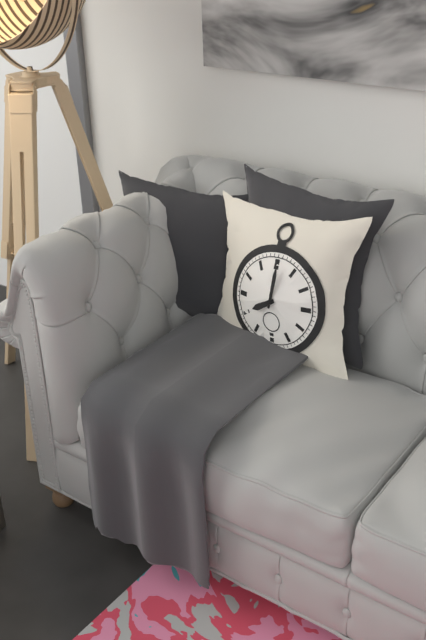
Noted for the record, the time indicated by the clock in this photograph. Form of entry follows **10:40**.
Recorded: **8:01**
